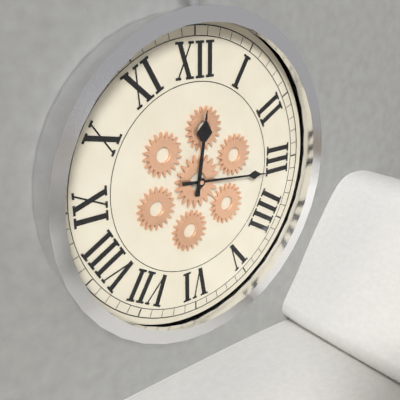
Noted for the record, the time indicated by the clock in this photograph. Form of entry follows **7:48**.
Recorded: **12:16**
